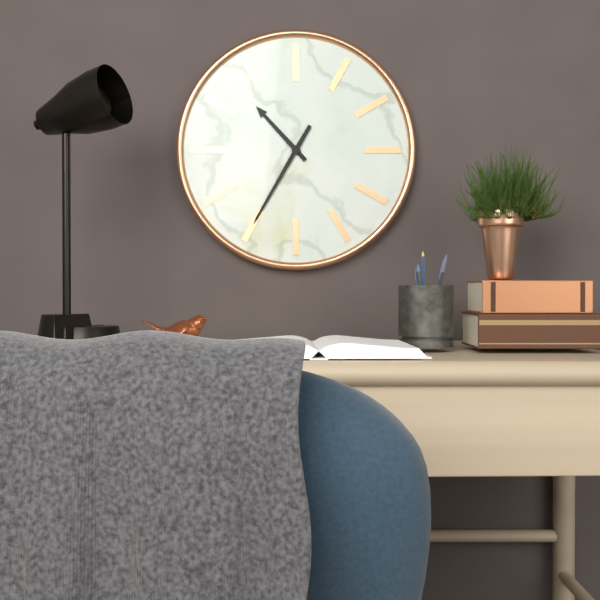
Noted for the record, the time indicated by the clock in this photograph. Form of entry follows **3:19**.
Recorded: **10:35**
